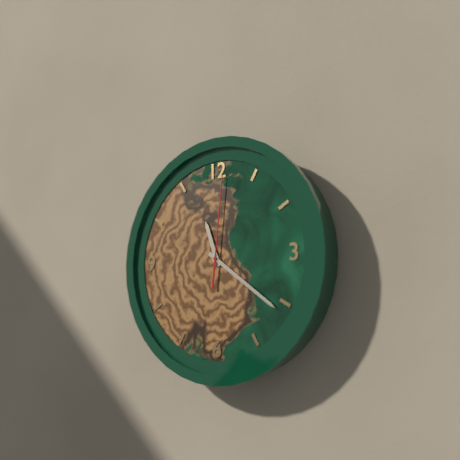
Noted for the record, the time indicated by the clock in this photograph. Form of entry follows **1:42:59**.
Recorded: **11:21:01**
